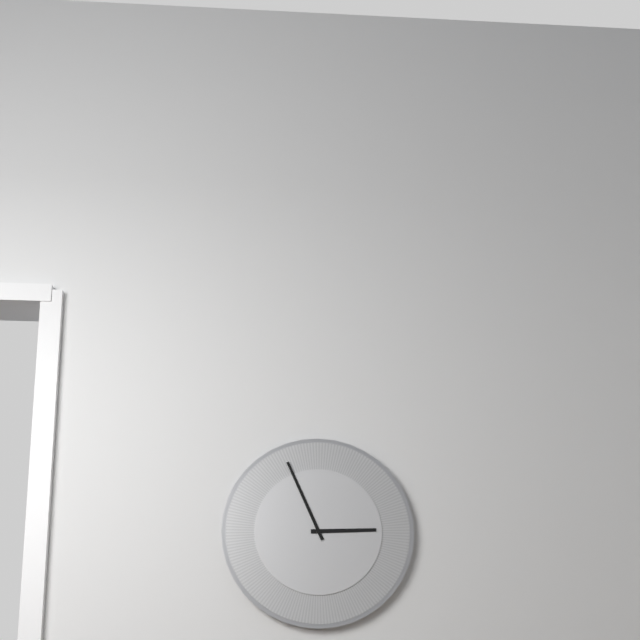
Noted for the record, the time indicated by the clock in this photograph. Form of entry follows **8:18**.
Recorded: **2:56**
